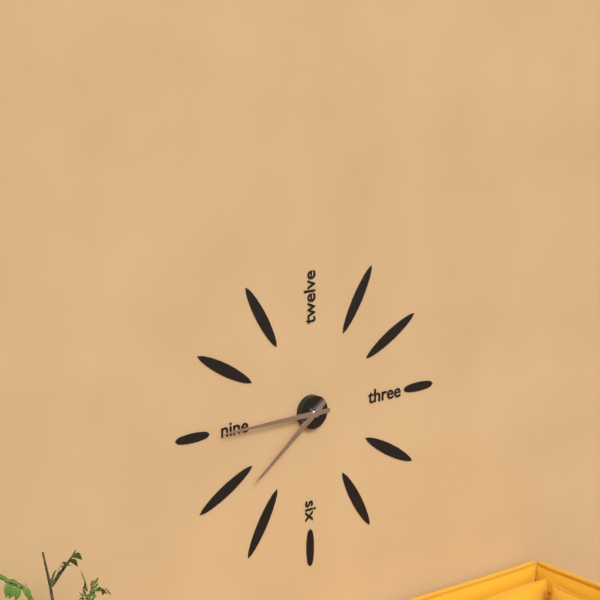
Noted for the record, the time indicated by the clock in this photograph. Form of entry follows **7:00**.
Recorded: **7:45**
